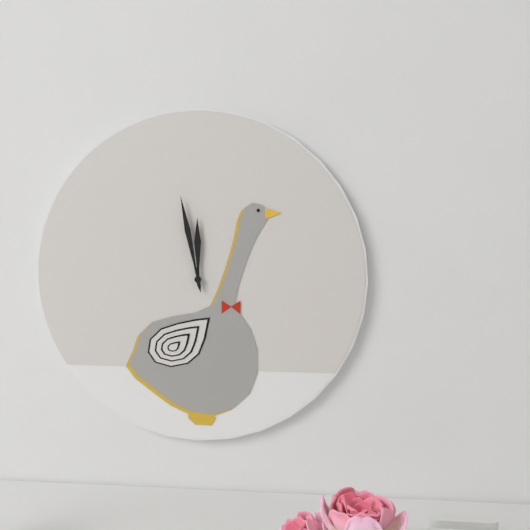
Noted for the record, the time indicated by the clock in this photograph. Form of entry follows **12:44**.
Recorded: **11:58**
